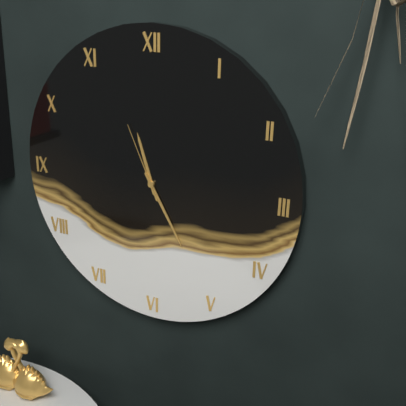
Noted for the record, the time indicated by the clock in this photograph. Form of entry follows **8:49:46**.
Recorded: **11:25:56**
